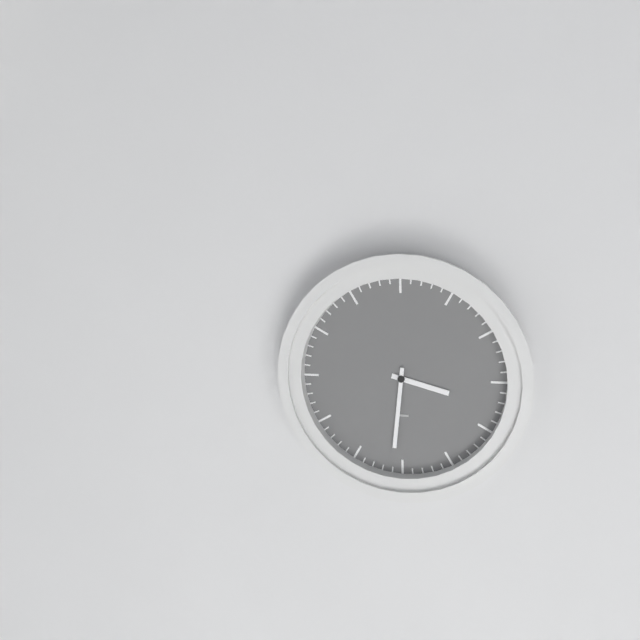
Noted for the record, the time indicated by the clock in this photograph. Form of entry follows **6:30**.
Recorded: **3:31**
